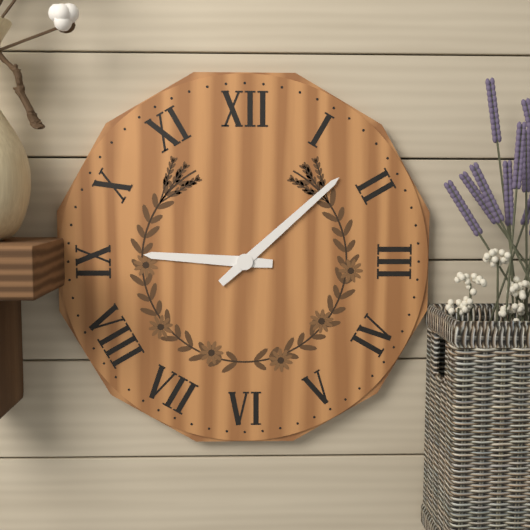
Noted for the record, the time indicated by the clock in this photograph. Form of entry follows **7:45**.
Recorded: **9:08**
